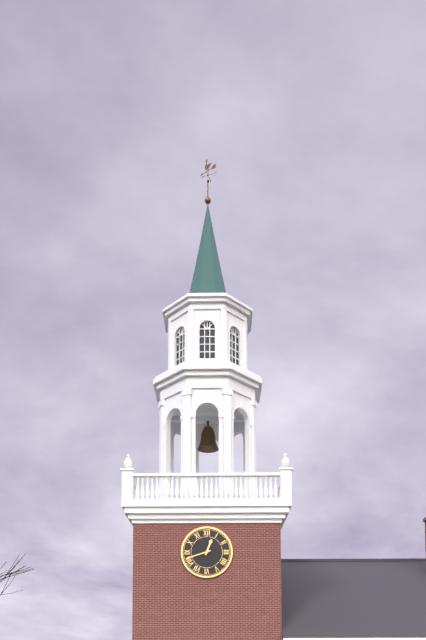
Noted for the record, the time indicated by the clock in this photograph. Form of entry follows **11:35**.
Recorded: **12:42**
